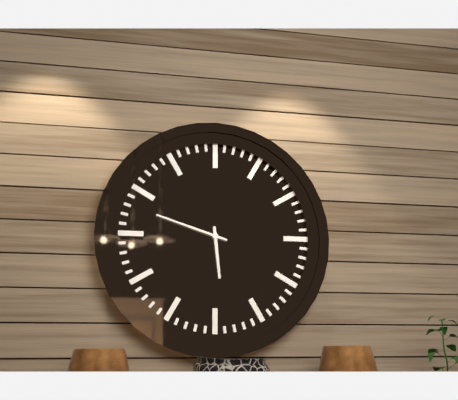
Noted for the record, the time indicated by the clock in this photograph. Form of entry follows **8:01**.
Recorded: **5:48**
